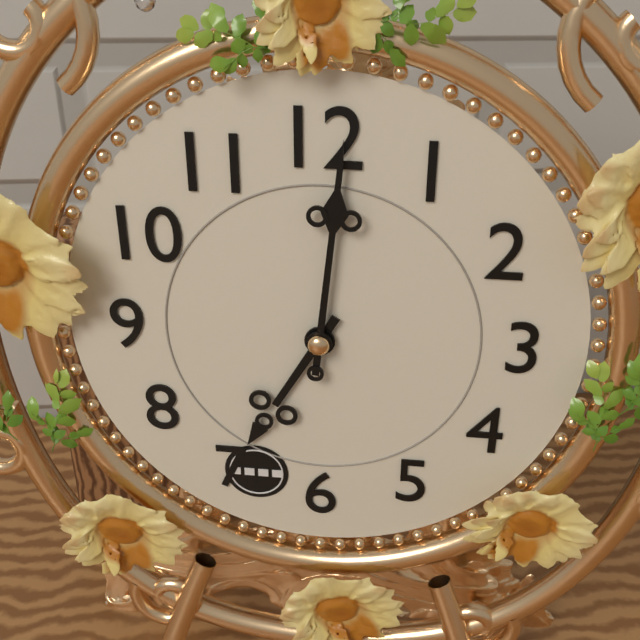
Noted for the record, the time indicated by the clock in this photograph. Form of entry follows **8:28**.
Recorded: **7:01**
